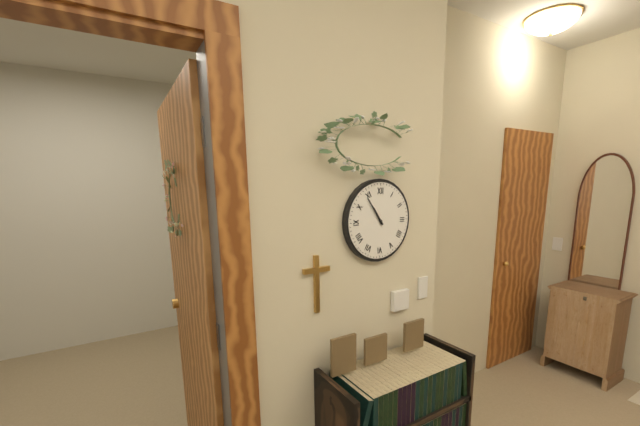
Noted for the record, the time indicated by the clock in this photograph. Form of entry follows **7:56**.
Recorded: **10:54**
